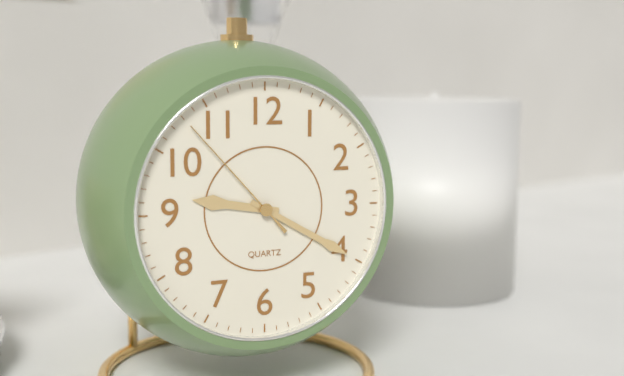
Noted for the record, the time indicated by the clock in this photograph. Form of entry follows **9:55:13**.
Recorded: **9:20:53**
